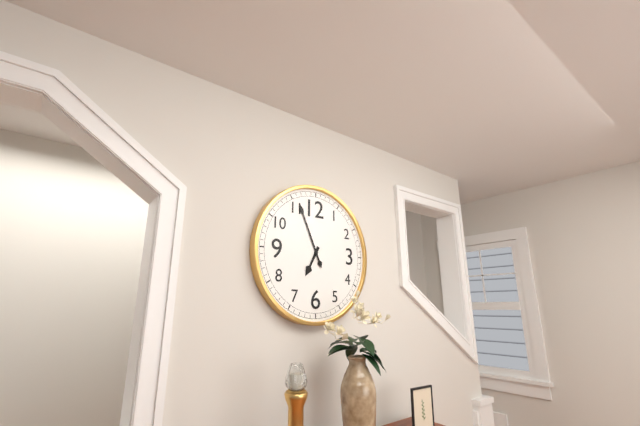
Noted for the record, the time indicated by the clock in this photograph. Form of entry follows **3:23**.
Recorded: **6:56**
